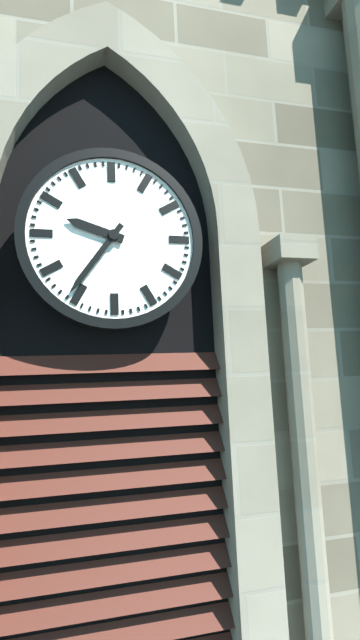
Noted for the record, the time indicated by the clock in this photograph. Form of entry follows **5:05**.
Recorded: **9:36**
